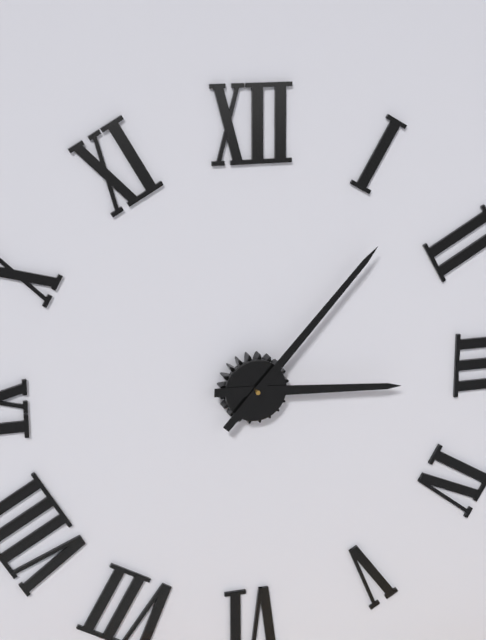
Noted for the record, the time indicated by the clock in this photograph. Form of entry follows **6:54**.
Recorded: **3:07**
